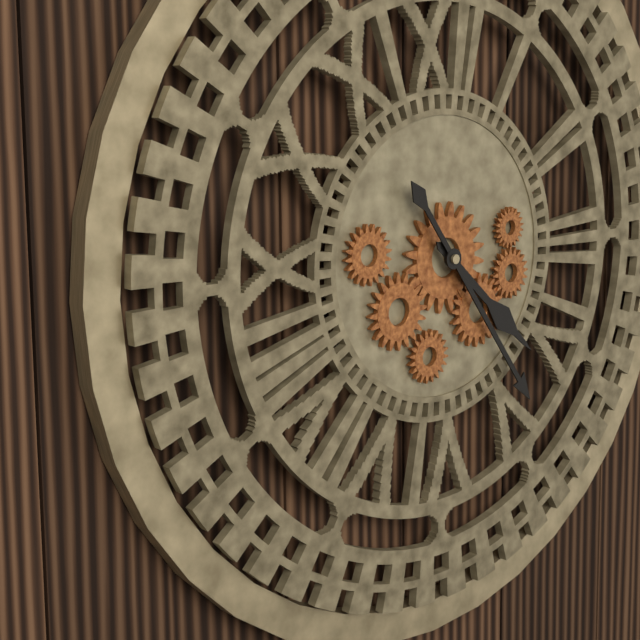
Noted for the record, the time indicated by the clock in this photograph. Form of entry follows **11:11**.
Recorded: **4:24**
